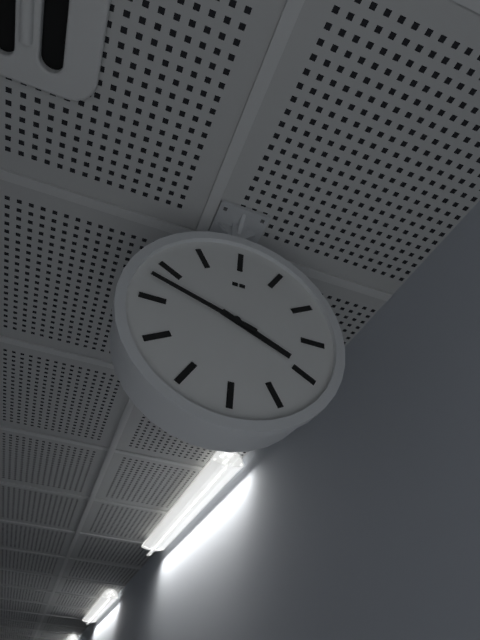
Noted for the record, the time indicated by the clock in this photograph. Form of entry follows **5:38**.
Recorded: **3:48**
